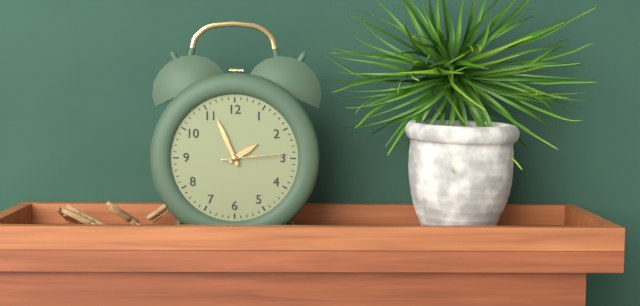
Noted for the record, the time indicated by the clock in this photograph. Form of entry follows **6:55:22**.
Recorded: **1:56:14**
